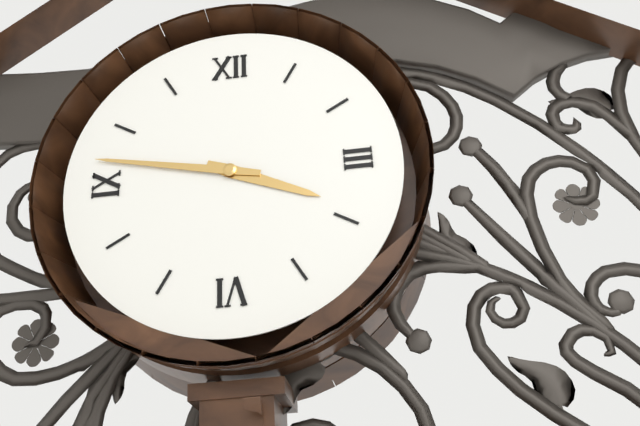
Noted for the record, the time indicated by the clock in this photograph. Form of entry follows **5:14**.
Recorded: **3:47**
